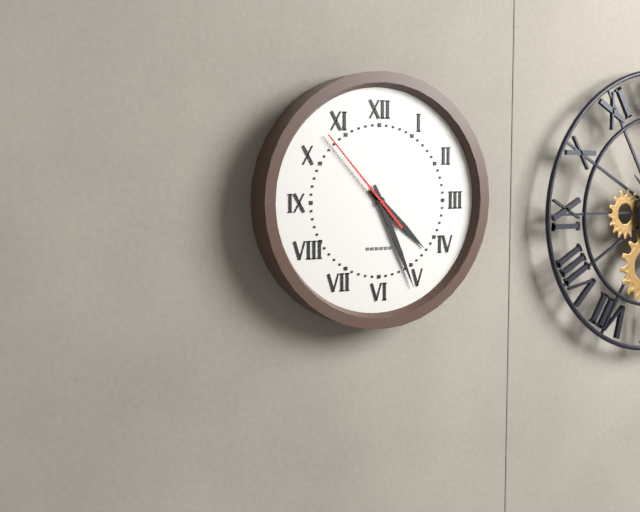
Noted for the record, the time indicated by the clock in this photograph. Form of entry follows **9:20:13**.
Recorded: **4:26:53**
